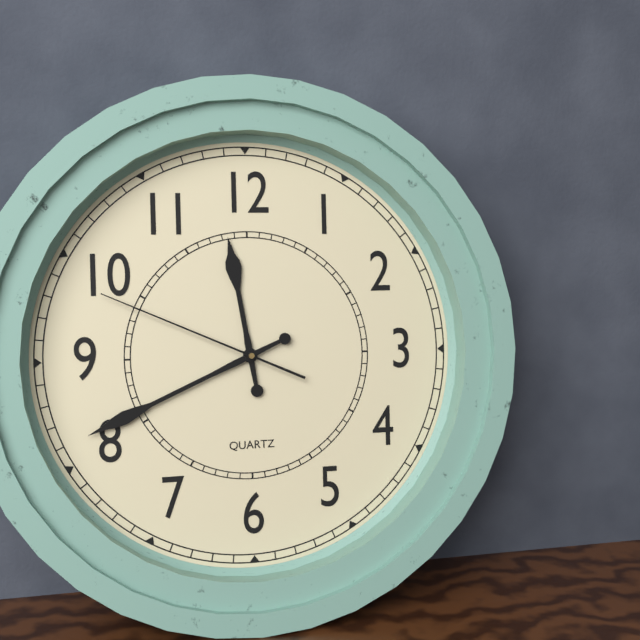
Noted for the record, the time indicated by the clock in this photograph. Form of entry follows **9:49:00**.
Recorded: **11:41:49**
